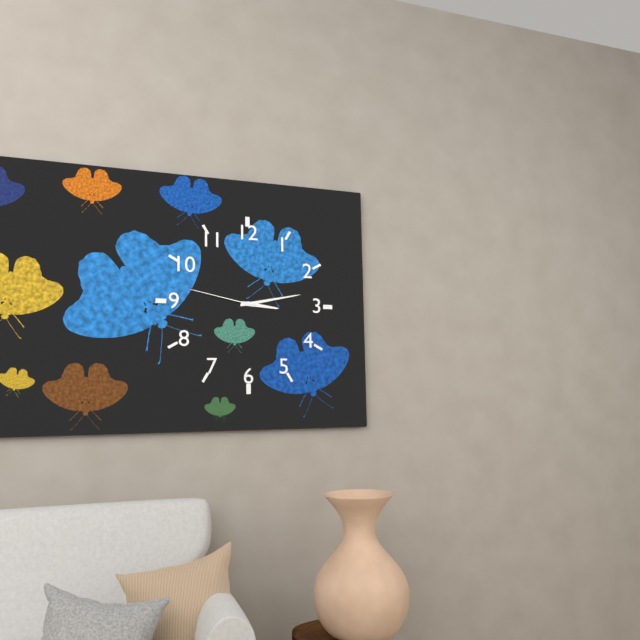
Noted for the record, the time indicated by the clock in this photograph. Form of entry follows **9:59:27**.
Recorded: **3:13:47**
